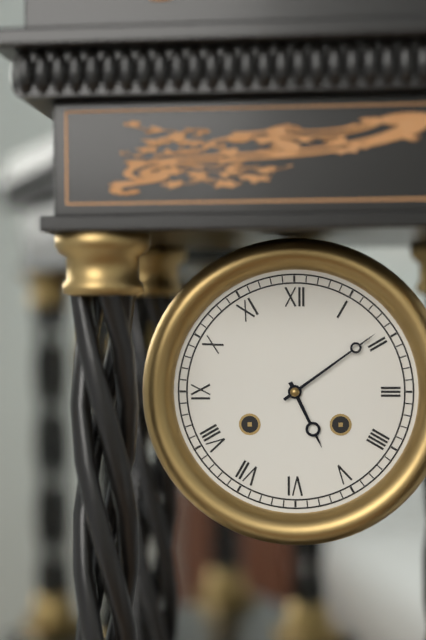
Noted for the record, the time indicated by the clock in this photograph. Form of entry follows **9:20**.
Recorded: **5:09**
